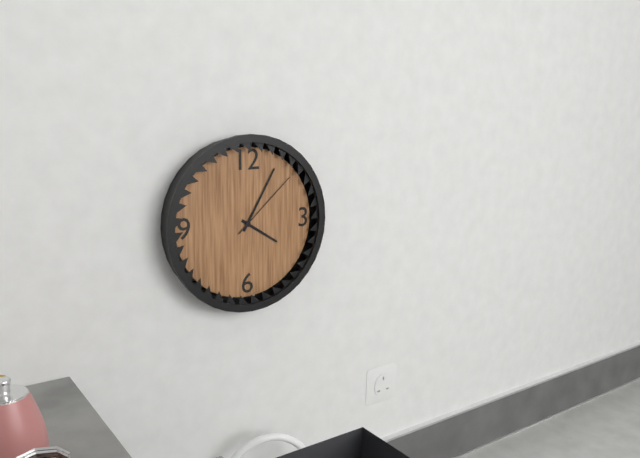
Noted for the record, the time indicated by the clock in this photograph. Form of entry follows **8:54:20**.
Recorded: **4:05:08**
